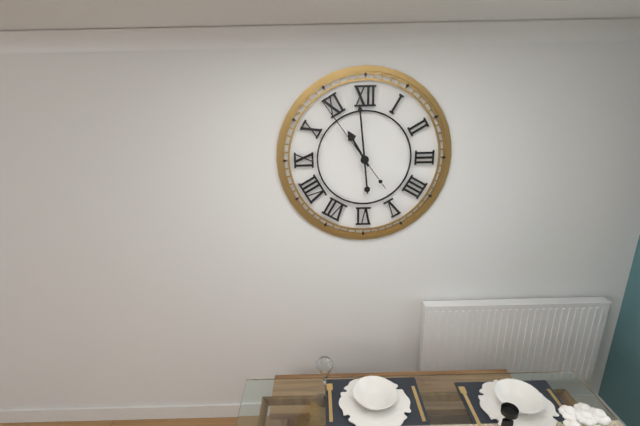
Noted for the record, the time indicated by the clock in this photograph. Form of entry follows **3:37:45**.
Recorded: **10:59:54**
